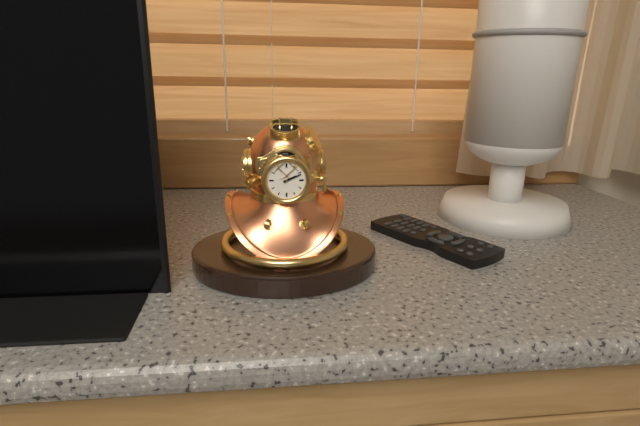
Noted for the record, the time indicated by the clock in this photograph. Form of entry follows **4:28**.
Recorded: **2:11**
